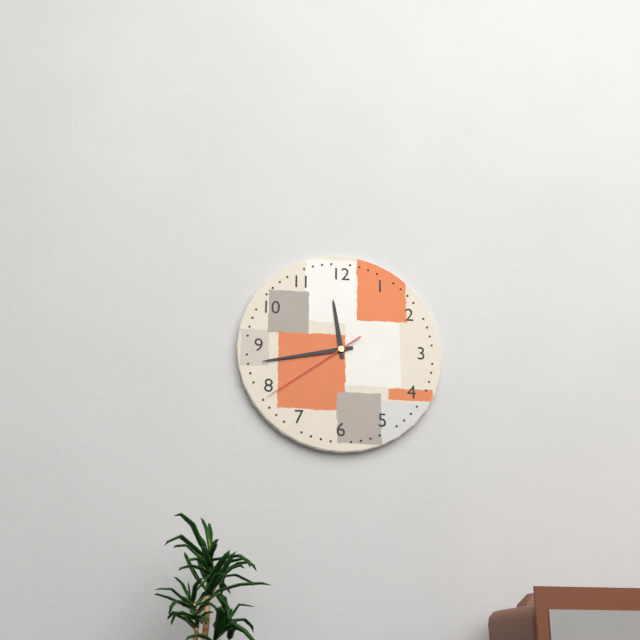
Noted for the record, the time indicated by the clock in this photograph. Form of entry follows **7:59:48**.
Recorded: **11:43:39**
